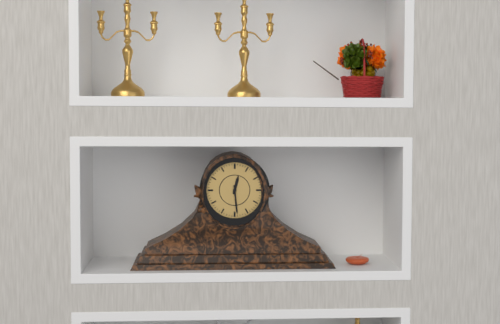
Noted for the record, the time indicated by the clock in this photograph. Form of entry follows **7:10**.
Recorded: **12:29**
